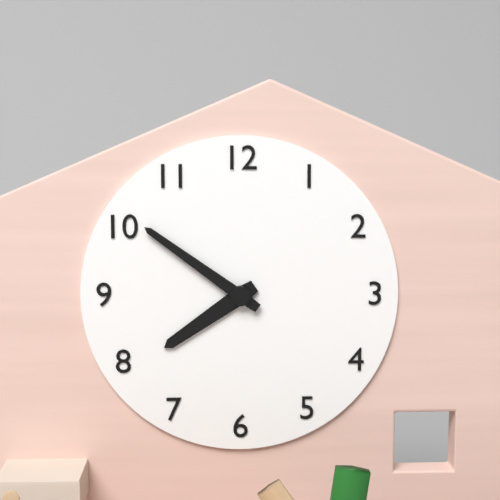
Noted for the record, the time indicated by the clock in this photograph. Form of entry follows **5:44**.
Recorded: **7:51**
